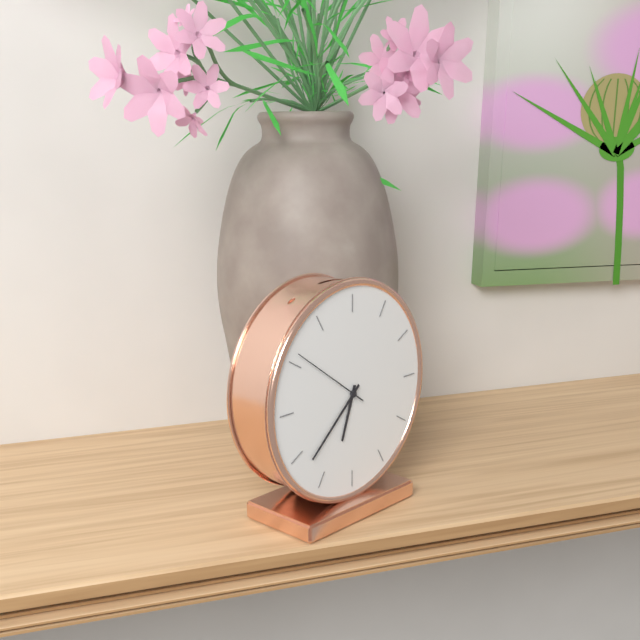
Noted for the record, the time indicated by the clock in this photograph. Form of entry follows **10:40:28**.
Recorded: **6:38:51**
